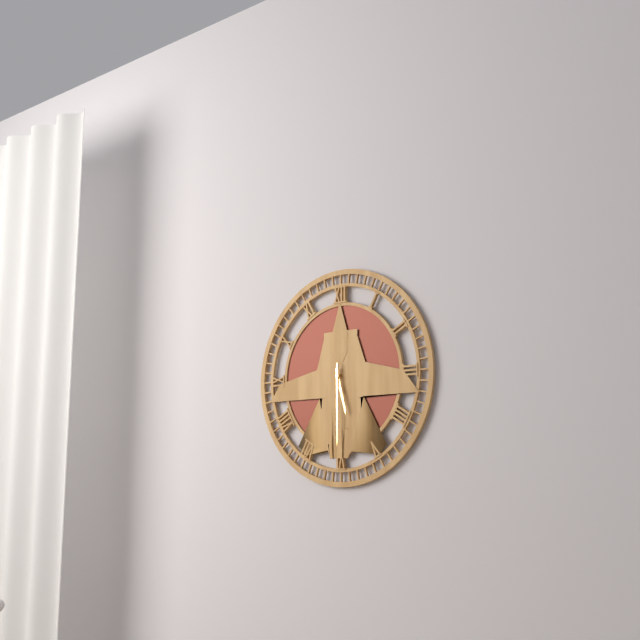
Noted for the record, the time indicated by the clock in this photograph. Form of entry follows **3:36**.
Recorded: **5:30**
